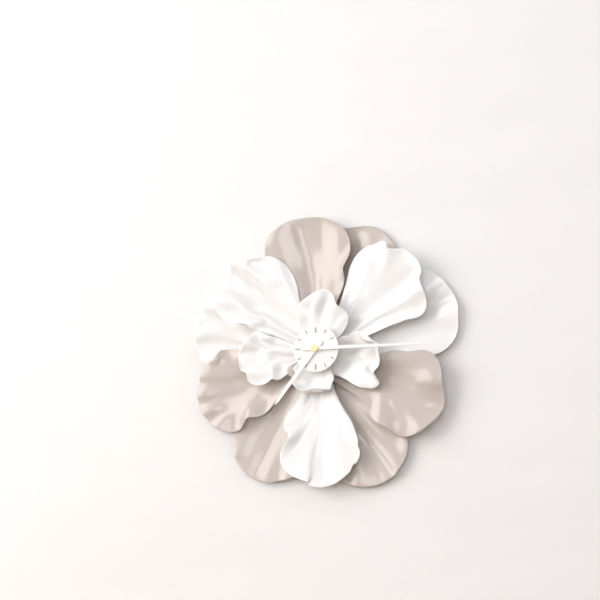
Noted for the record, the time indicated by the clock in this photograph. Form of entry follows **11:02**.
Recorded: **7:15**
